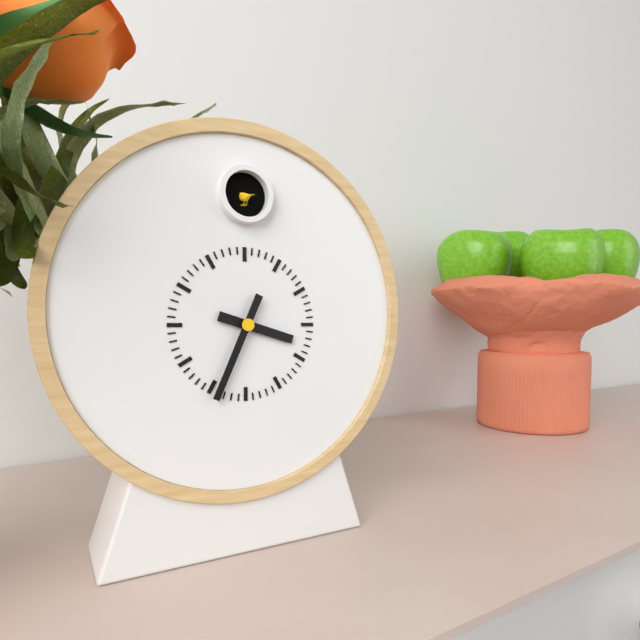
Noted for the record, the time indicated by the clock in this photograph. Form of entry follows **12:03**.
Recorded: **3:34**
